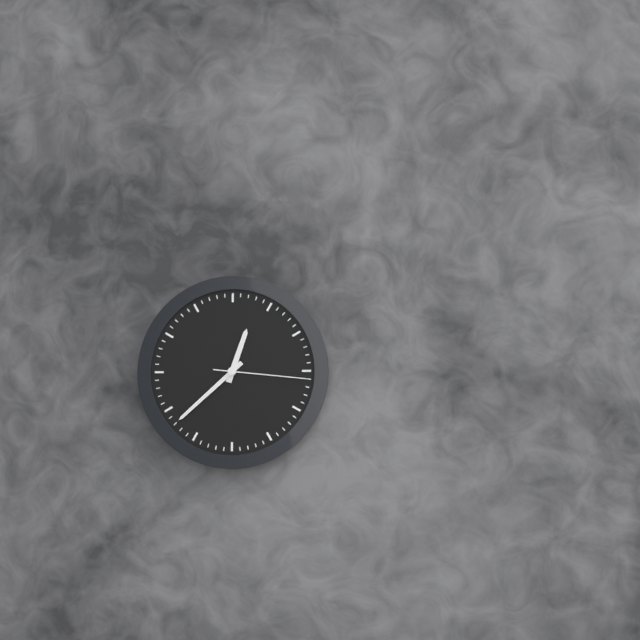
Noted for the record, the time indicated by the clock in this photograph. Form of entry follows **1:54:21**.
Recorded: **12:38:16**
